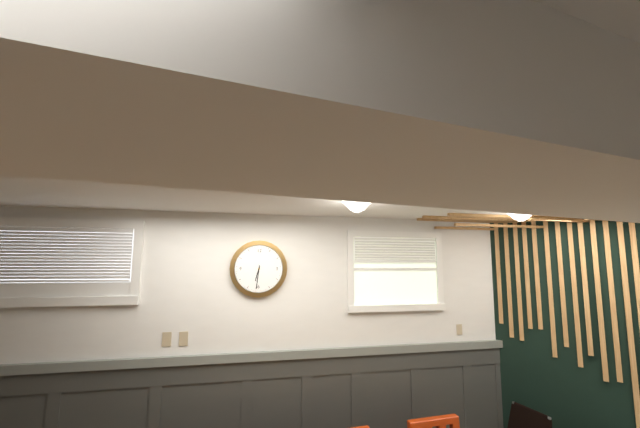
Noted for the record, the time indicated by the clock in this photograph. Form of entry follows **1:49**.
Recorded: **6:31**
